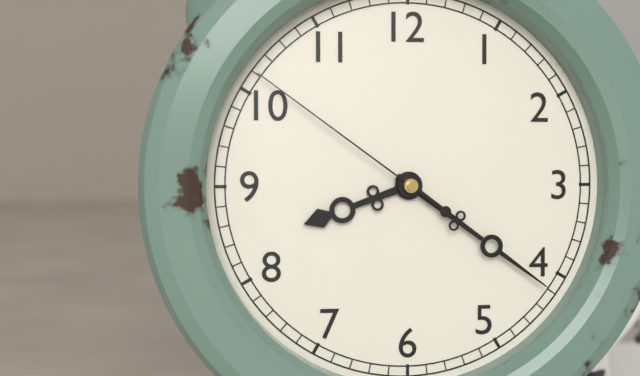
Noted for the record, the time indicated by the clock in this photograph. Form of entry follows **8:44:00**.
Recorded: **8:21:51**
